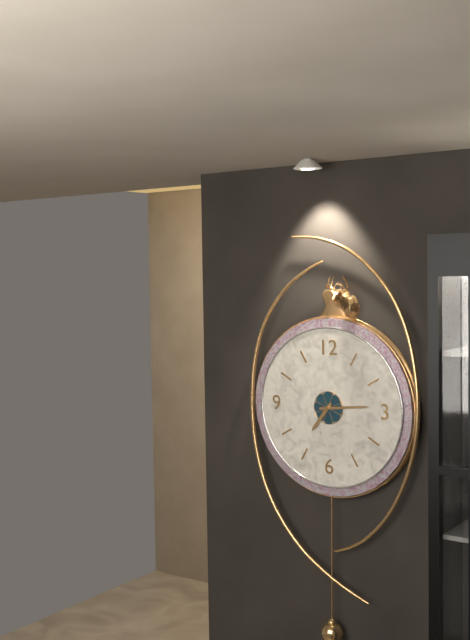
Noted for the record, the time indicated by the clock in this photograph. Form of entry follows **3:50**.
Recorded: **7:14**
